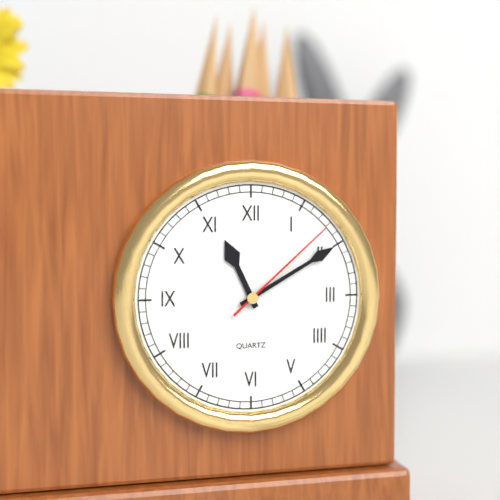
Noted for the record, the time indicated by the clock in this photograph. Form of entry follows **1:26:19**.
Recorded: **11:10:08**
